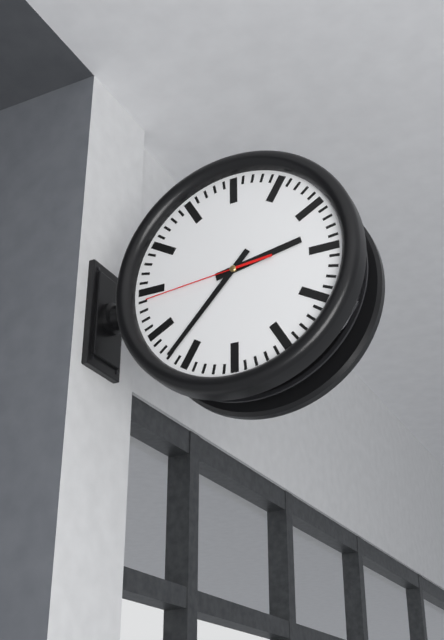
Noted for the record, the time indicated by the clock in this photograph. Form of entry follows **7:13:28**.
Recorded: **2:37:44**
